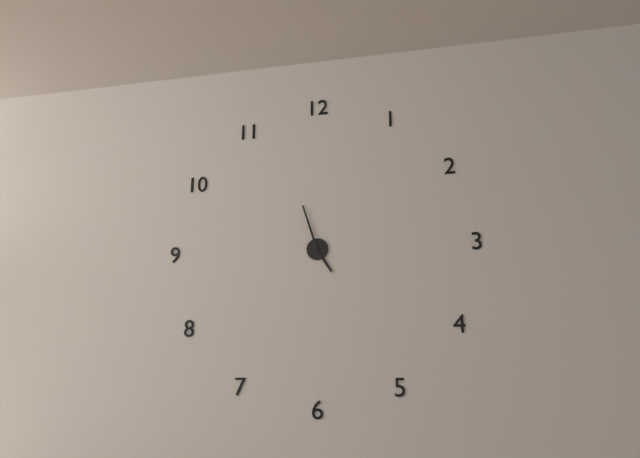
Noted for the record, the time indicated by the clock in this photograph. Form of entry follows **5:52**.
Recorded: **4:57**
